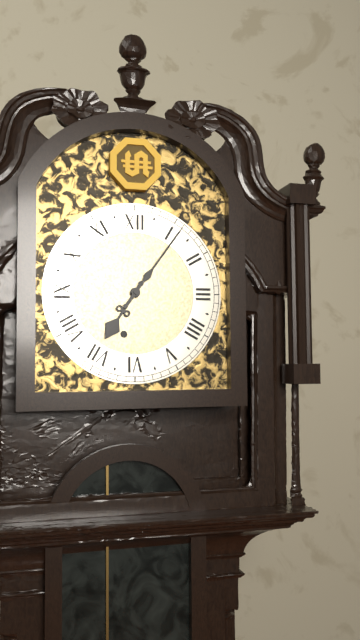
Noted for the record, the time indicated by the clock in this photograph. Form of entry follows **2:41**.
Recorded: **7:06**
